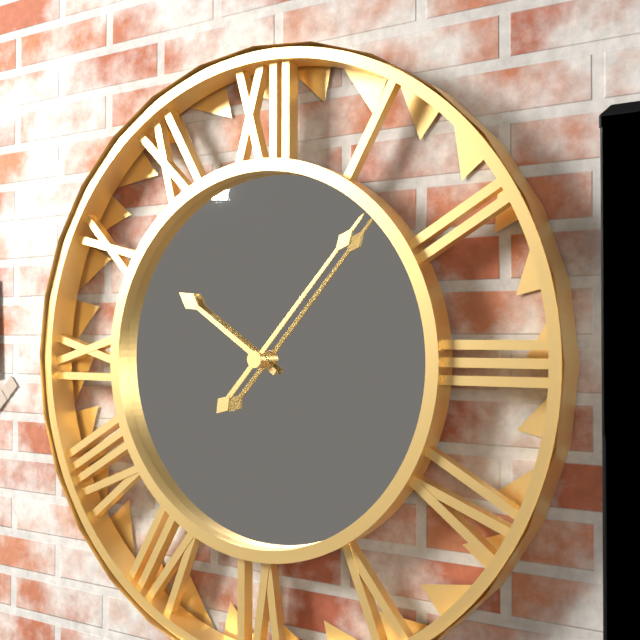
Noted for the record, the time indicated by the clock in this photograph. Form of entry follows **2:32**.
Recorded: **10:07**
